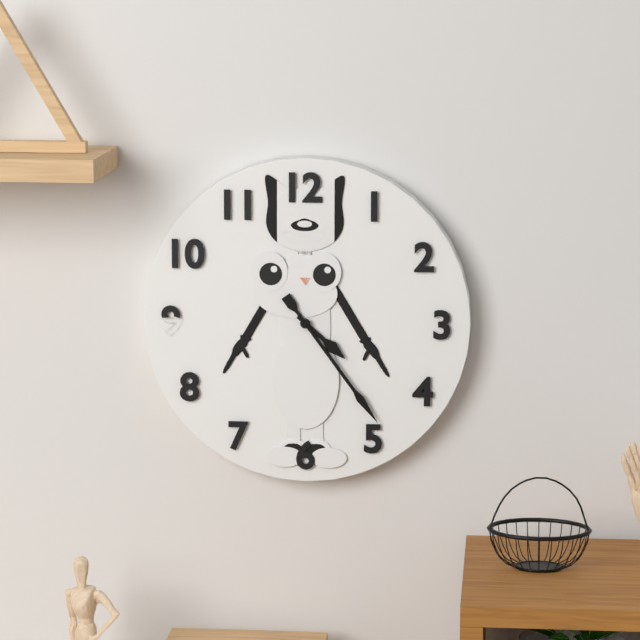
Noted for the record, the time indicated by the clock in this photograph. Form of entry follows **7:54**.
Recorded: **4:24**
